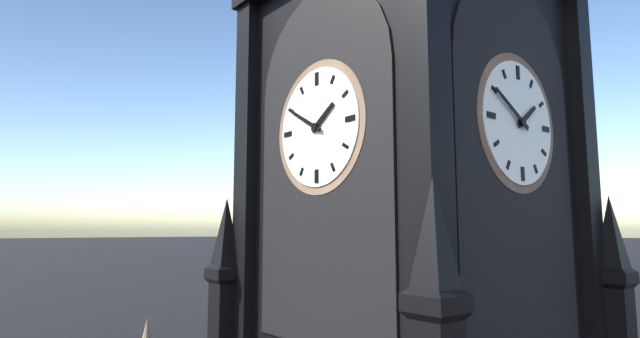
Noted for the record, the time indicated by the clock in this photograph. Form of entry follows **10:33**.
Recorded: **1:50**
